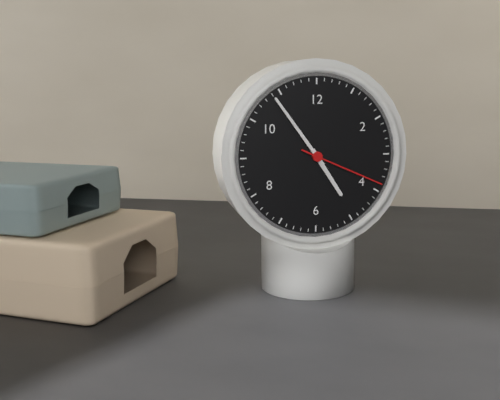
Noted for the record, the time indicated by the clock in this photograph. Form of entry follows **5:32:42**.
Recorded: **4:54:19**
